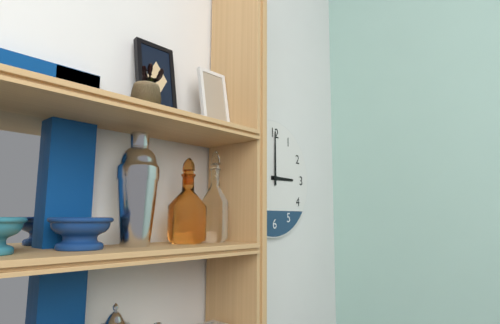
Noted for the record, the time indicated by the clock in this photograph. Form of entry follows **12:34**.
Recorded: **3:00**
